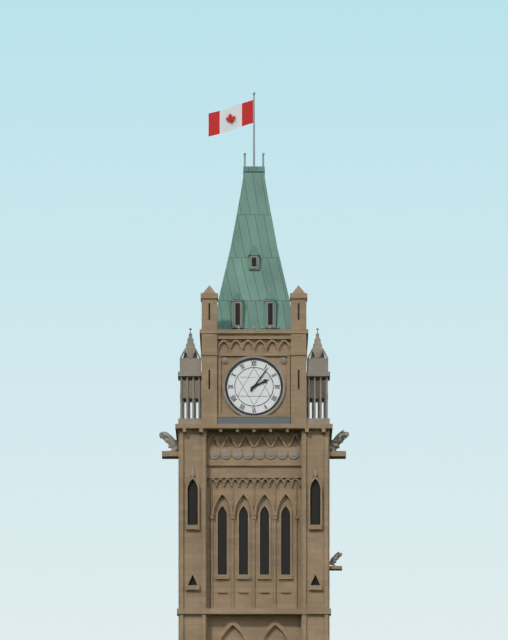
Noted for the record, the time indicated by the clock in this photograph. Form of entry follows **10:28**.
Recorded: **2:06**
